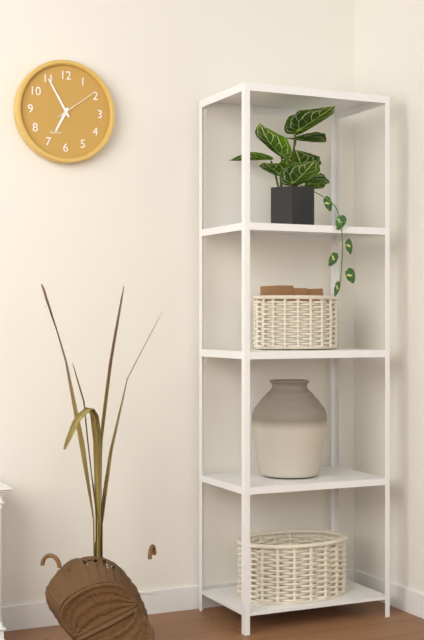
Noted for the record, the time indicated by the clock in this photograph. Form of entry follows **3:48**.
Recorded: **6:55**
